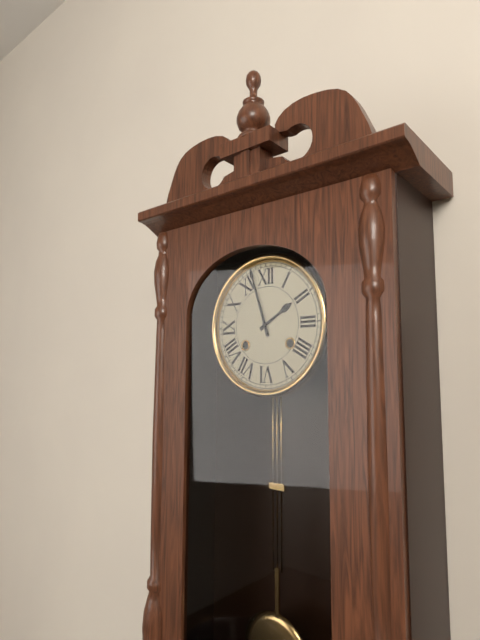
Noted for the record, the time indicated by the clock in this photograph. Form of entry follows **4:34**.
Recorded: **1:57**
